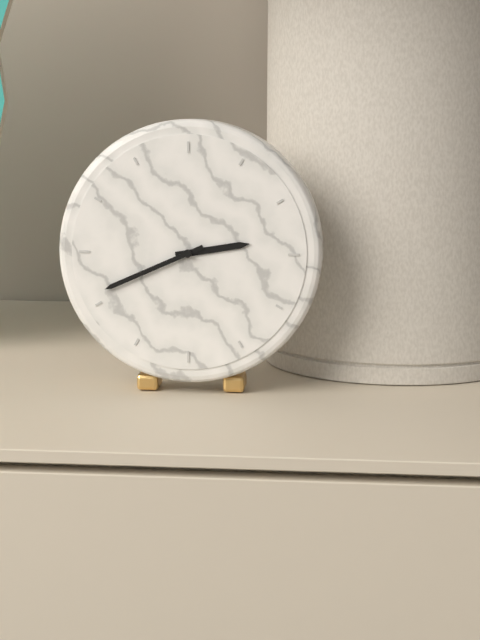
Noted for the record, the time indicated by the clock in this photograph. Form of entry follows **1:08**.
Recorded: **2:41**
